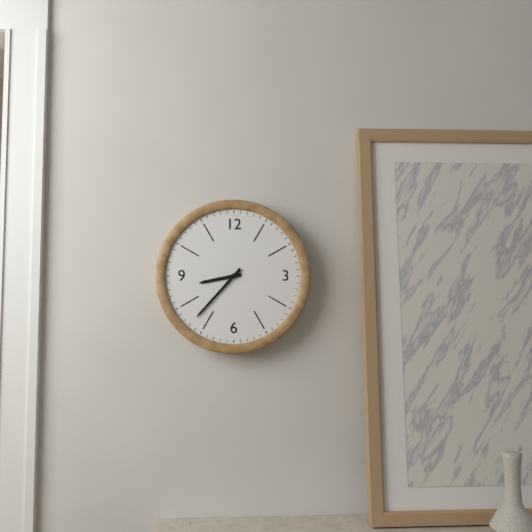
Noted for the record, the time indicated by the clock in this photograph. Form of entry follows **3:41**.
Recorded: **8:37**
